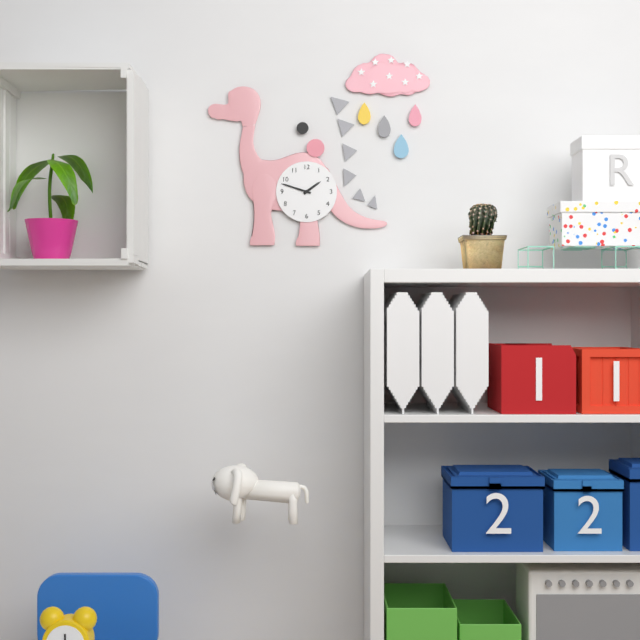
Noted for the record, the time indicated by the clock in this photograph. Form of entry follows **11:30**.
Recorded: **1:48**
